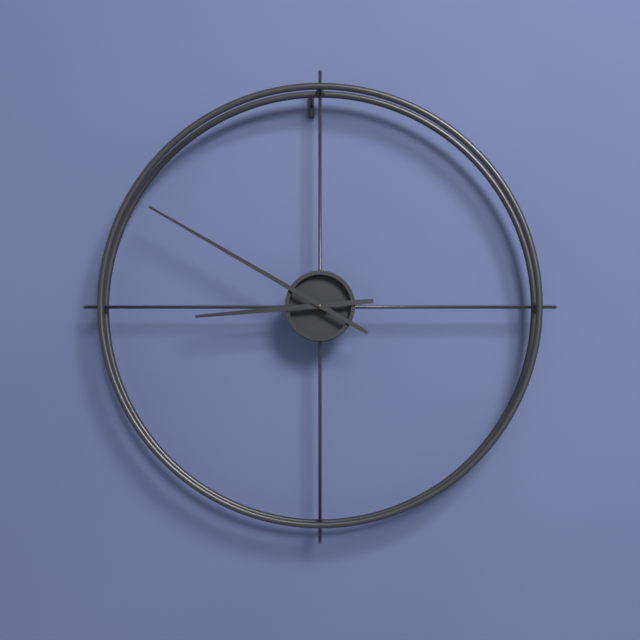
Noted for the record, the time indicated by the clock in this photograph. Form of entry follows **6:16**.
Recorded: **8:50**
